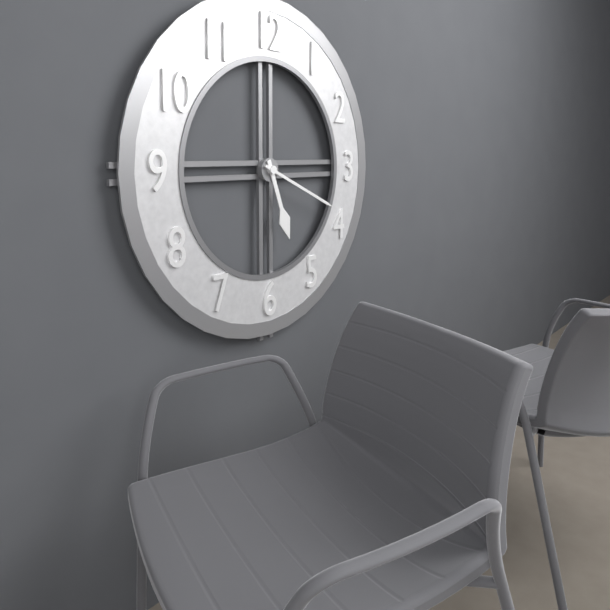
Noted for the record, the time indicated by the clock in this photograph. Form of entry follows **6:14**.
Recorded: **5:19**
